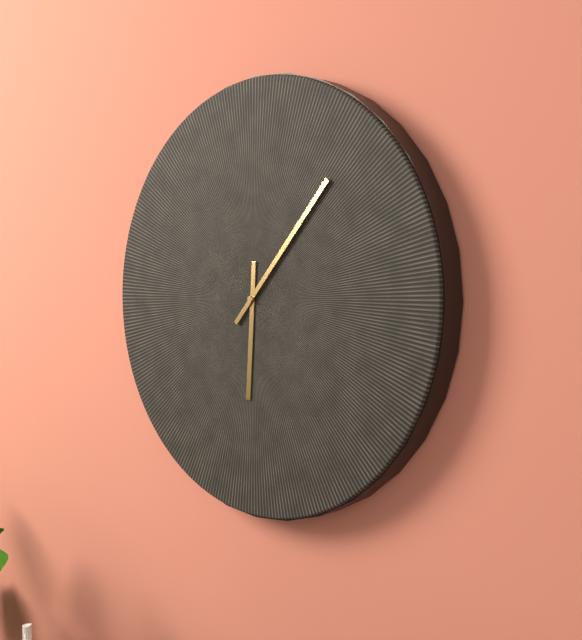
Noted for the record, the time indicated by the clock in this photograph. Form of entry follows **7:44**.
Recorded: **6:07**
